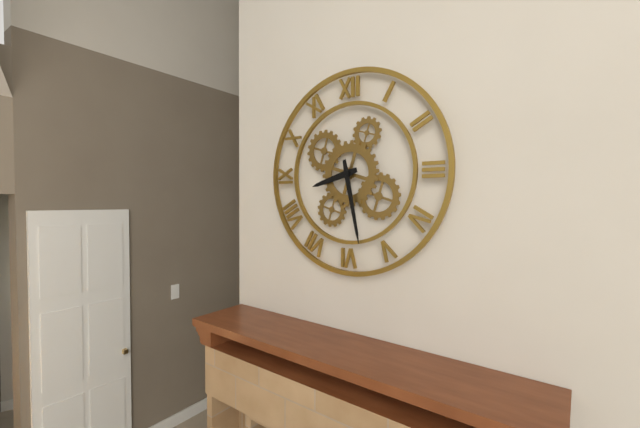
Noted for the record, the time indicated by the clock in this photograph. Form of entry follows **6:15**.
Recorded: **8:28**
